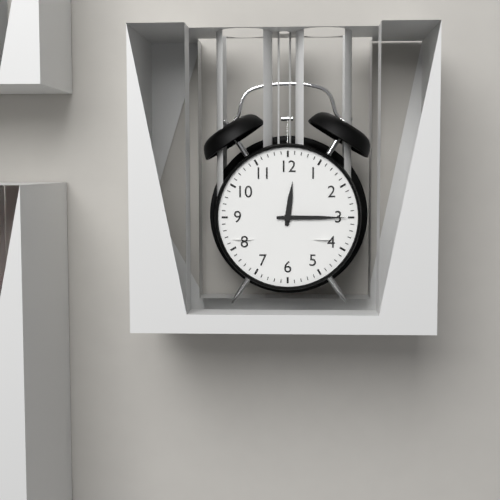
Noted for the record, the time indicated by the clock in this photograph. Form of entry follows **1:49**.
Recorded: **12:15**
